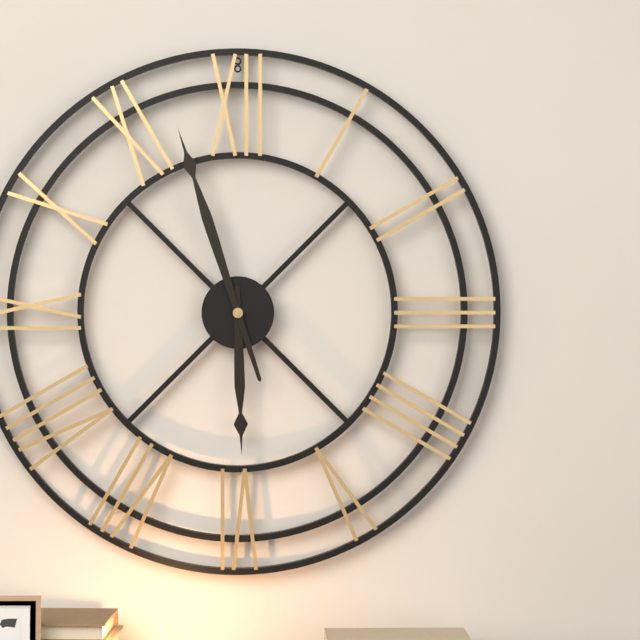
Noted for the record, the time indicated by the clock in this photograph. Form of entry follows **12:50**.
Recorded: **5:57**
